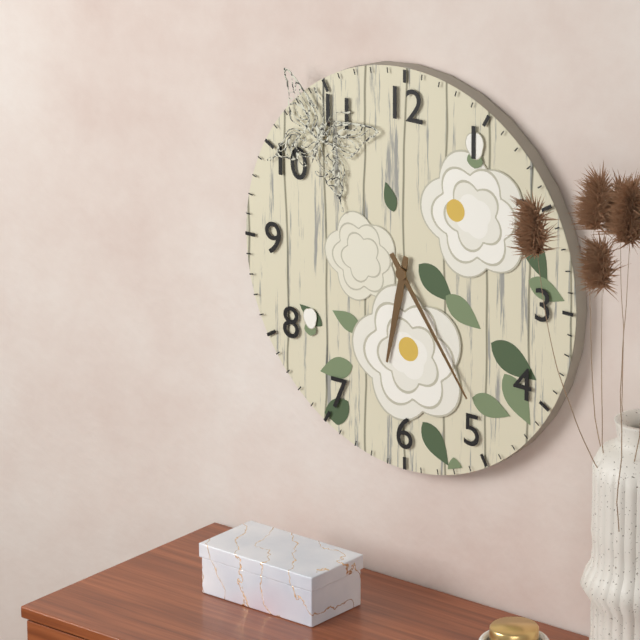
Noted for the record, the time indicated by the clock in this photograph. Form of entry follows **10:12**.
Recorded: **6:24**
